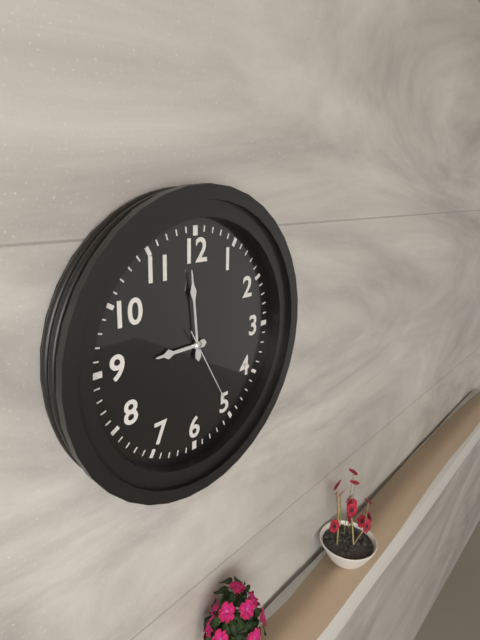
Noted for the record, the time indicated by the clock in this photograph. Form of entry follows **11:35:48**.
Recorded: **8:59:25**
